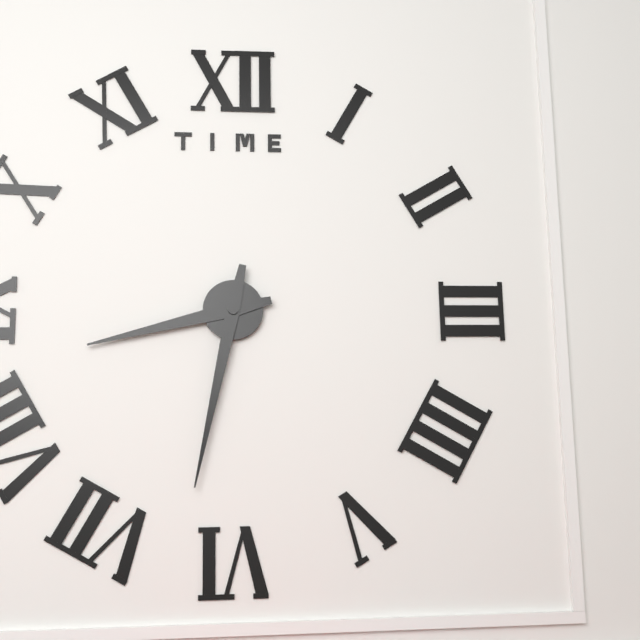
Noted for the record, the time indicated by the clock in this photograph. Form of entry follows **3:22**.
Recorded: **8:32**
